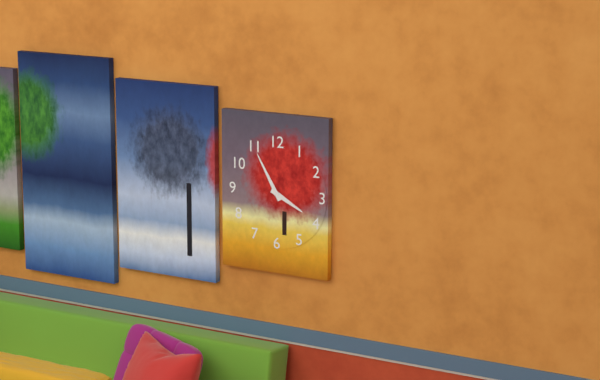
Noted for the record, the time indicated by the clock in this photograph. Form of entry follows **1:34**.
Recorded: **3:55**
